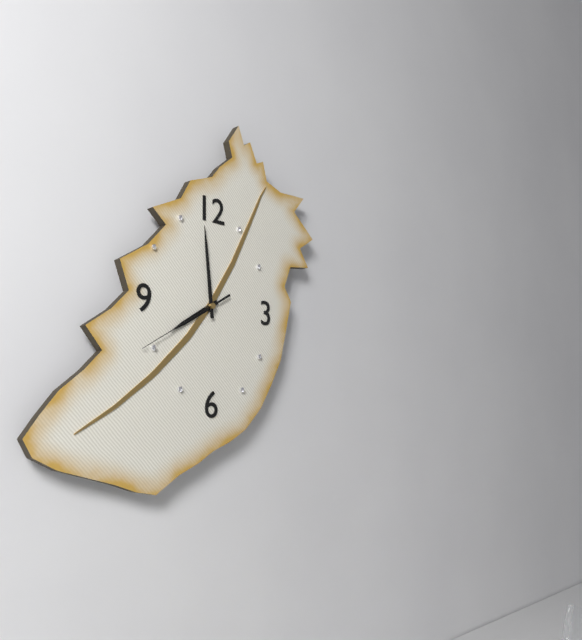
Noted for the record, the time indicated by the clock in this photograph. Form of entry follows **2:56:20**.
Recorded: **7:59:40**
